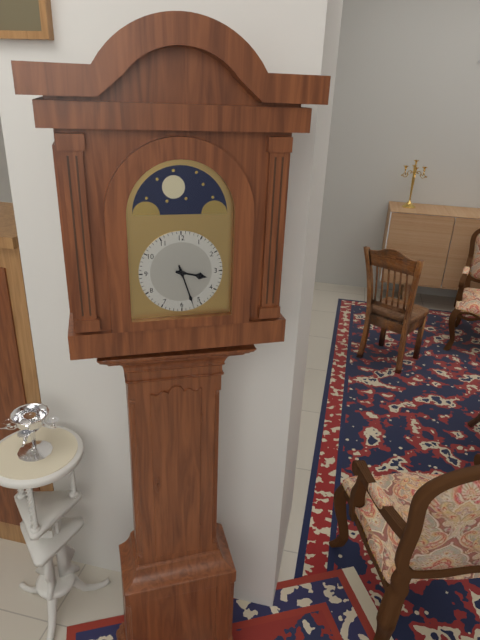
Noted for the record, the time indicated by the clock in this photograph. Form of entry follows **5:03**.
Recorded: **3:27**
